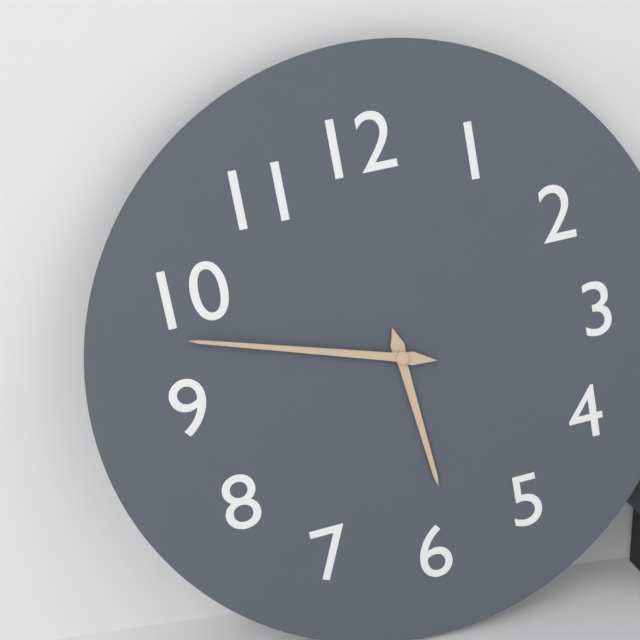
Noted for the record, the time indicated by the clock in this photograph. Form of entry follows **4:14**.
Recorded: **5:48**
